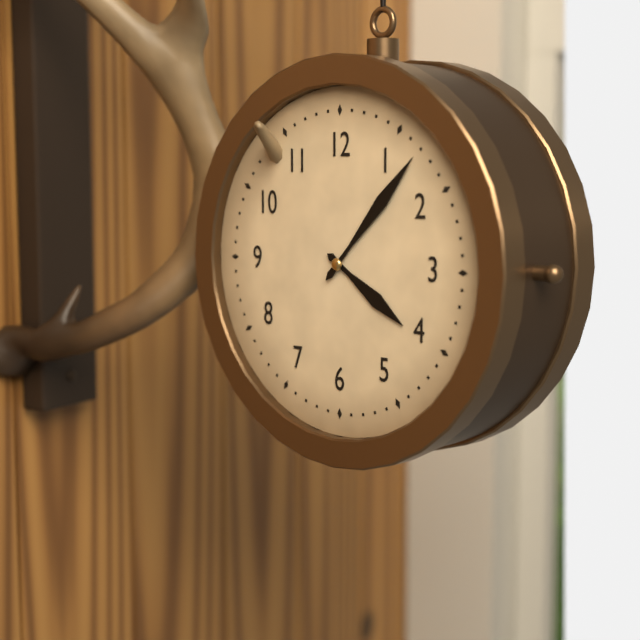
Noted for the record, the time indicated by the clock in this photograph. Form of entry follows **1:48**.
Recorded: **4:07**
